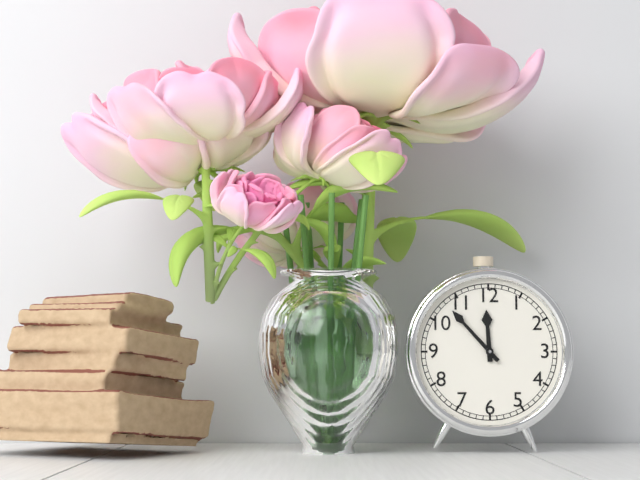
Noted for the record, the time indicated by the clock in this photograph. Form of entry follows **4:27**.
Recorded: **11:53**
